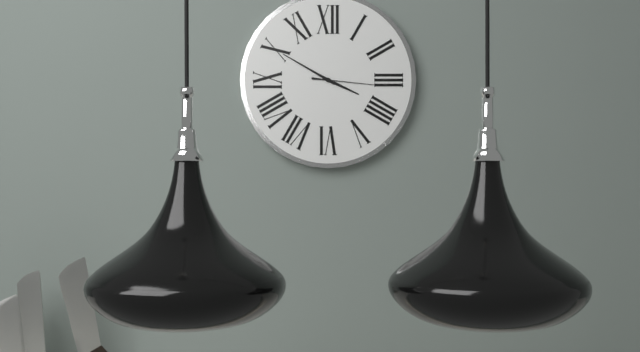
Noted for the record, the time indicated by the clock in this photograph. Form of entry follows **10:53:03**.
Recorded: **3:50:16**
